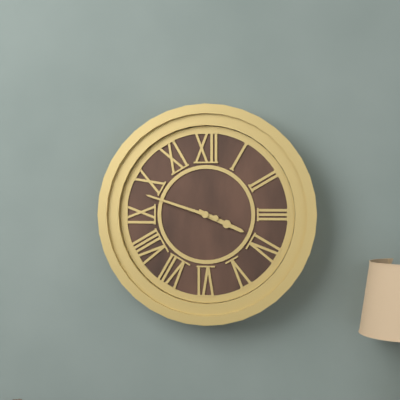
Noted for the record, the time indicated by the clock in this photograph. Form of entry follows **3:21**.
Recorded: **3:48**
